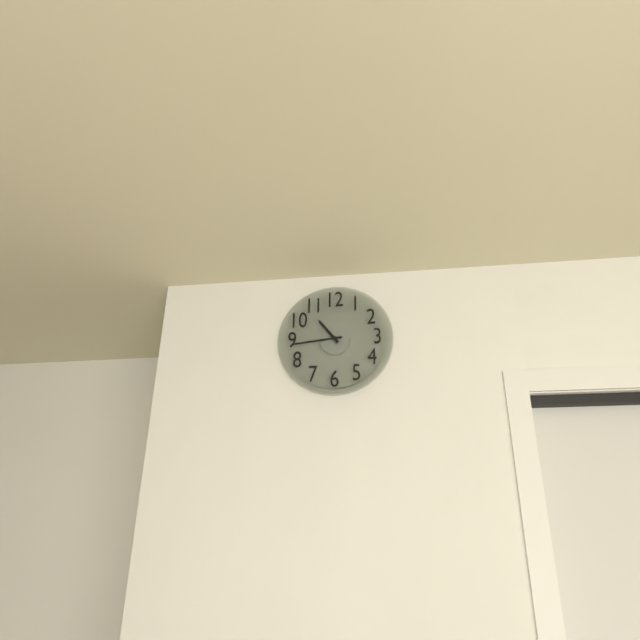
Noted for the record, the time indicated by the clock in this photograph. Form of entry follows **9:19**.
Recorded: **10:44**
